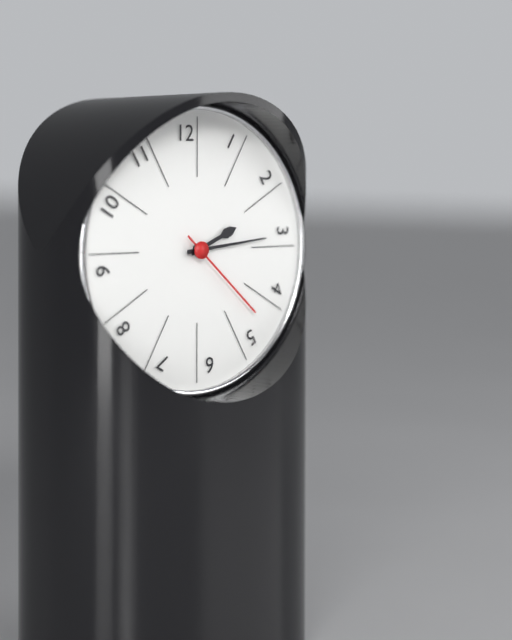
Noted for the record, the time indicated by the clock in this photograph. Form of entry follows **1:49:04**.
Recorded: **2:14:22**
